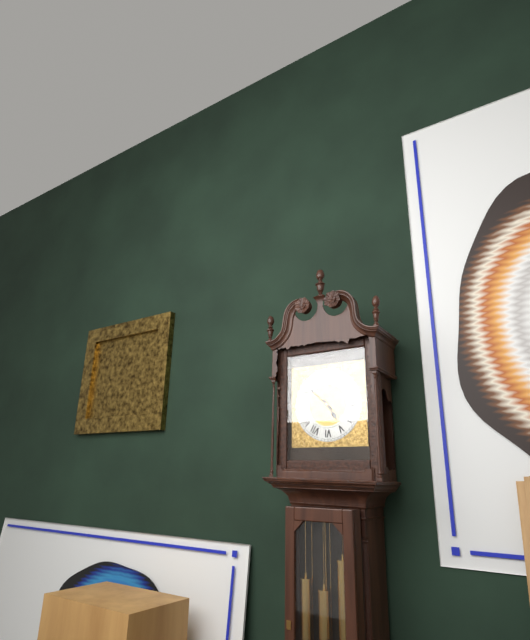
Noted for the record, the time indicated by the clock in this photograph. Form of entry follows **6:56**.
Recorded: **4:52**
